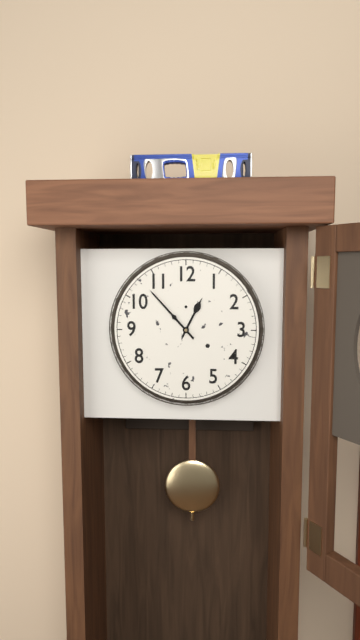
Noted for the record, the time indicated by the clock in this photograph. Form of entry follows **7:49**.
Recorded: **12:53**
